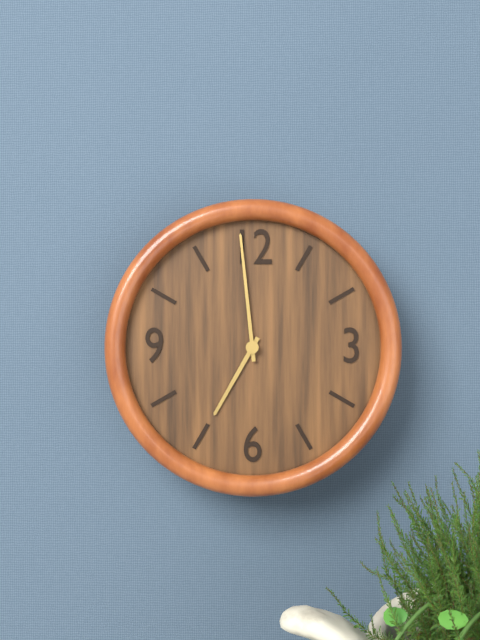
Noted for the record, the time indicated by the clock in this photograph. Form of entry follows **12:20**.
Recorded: **6:59**
